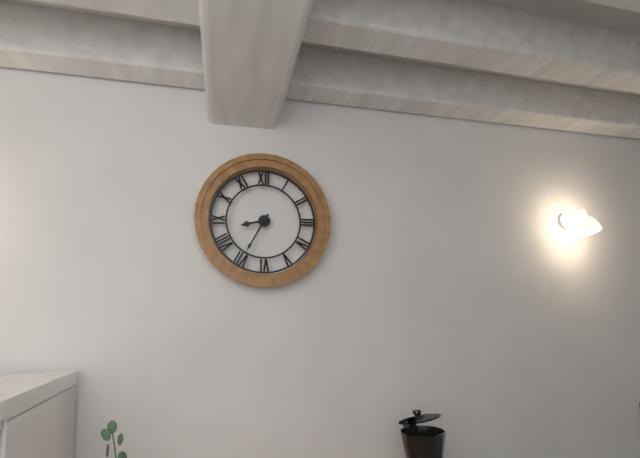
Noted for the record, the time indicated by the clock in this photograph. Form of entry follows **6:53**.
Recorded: **8:35**
